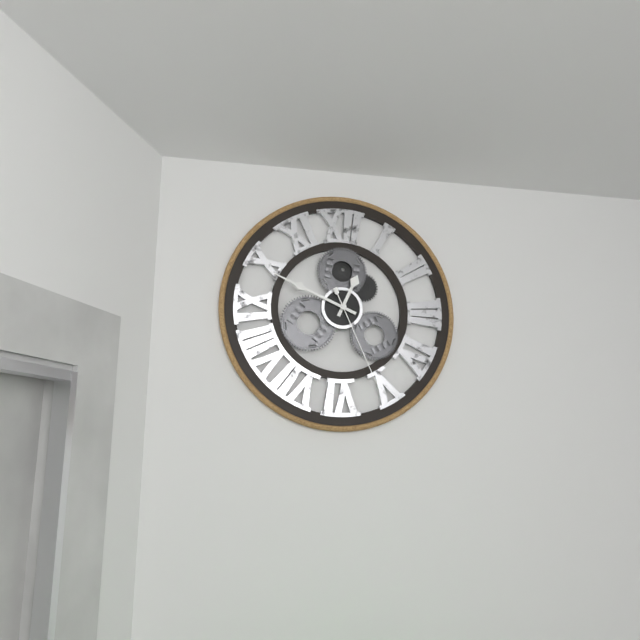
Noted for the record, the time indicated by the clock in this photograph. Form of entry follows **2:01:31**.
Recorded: **12:49:26**
